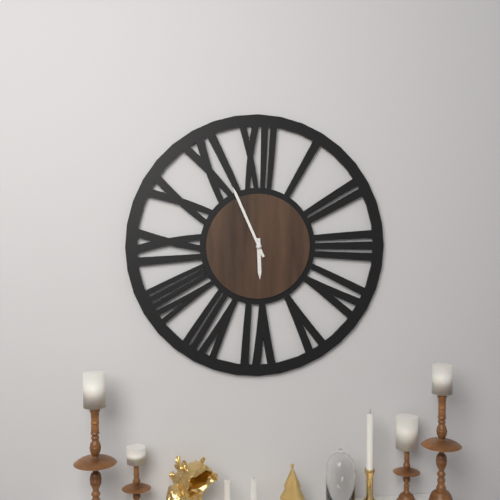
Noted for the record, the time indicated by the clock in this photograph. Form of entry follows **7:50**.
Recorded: **5:56**
